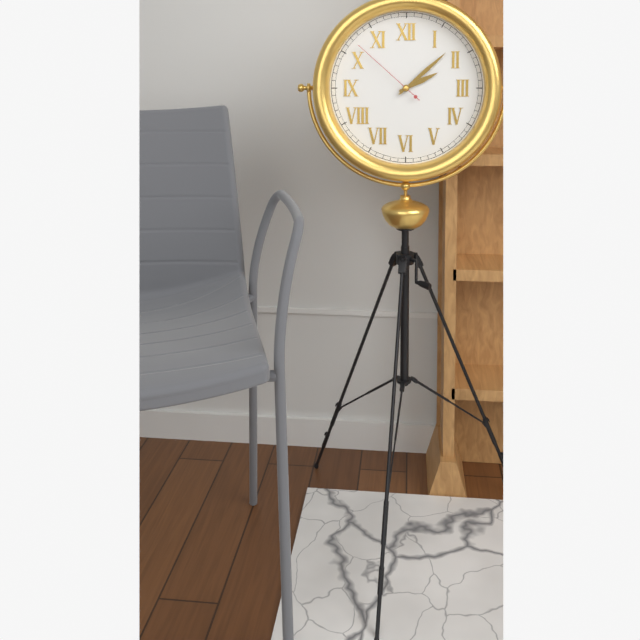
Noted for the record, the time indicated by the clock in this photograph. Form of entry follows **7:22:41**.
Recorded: **2:08:52**
